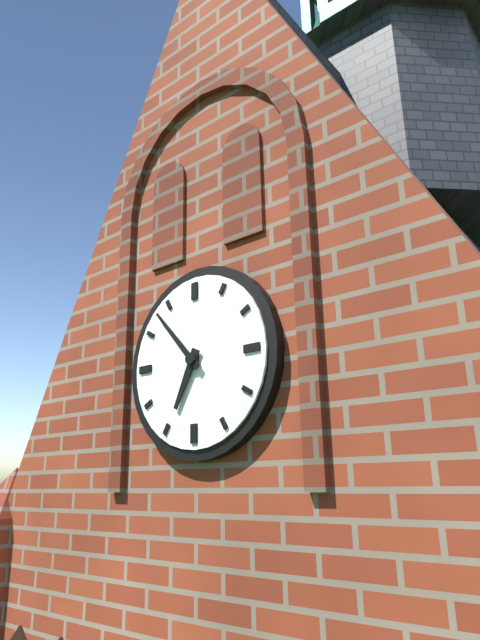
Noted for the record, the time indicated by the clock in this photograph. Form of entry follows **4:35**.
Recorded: **6:53**
